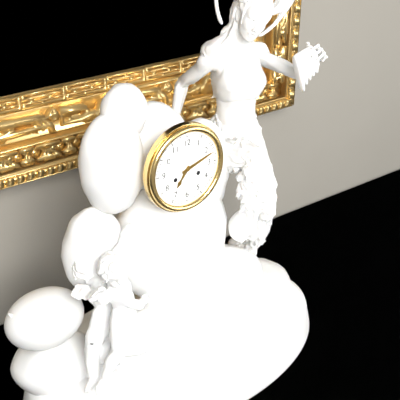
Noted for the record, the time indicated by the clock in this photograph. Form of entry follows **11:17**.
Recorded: **7:12**
